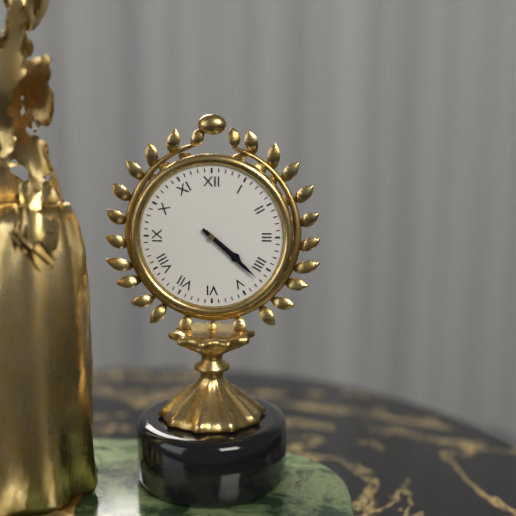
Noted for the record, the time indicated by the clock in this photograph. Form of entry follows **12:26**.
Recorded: **4:22**
